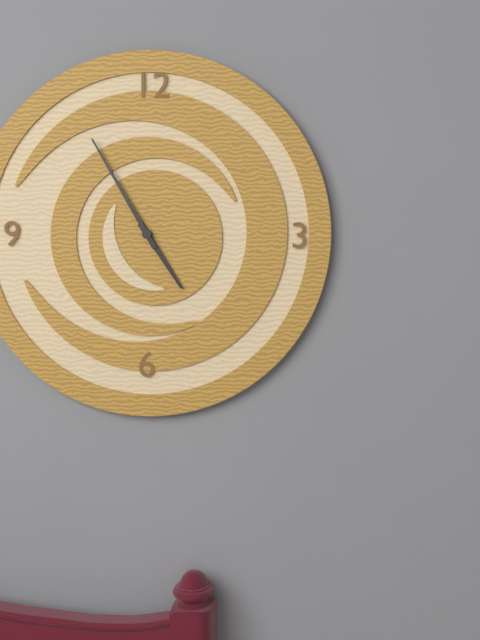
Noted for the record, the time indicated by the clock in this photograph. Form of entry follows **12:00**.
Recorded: **4:55**
